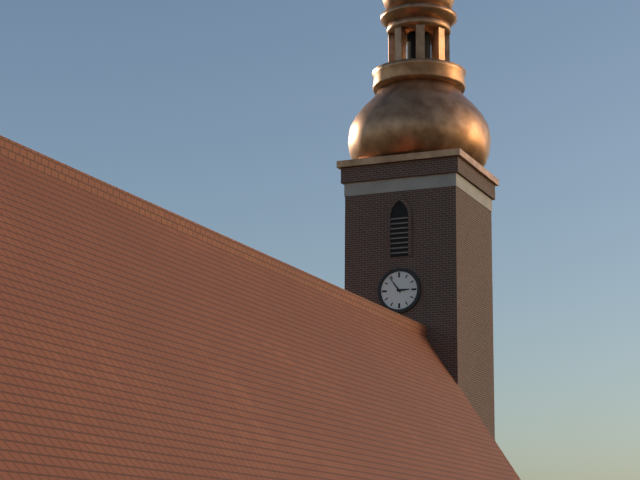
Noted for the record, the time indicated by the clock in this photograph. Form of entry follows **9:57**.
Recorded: **2:54**
